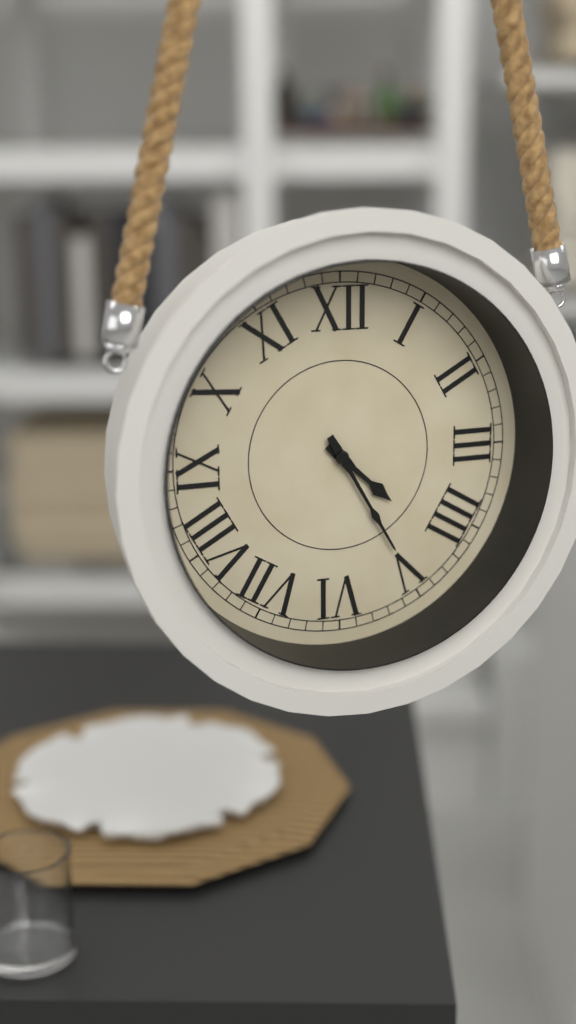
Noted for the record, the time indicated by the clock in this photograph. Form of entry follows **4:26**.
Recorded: **4:25**
